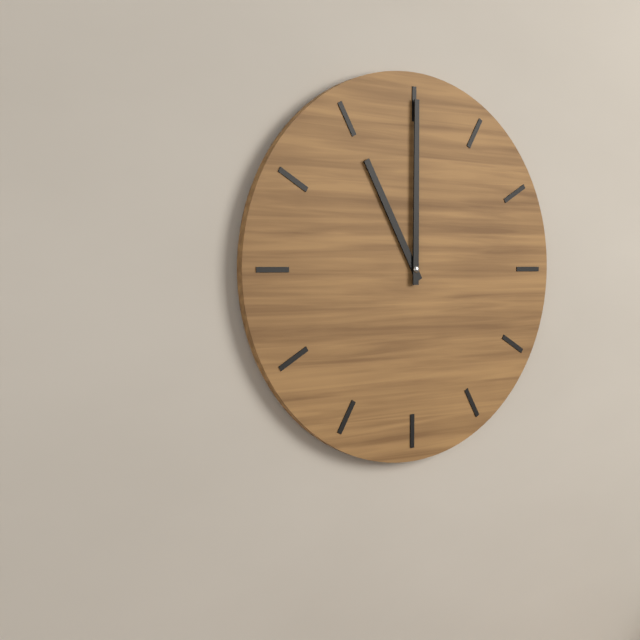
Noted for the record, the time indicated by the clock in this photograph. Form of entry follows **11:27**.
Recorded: **11:00**
